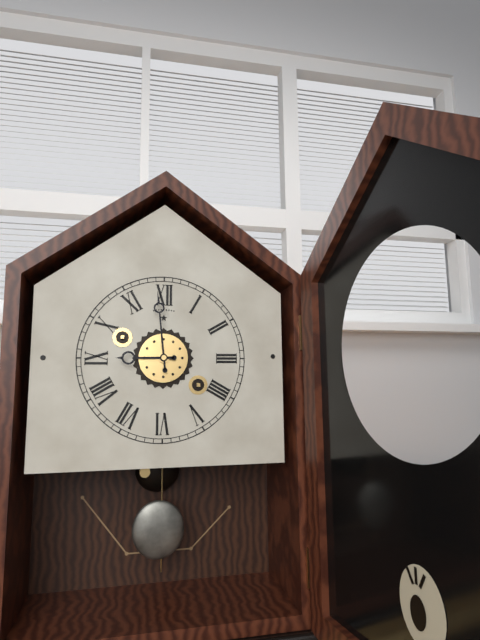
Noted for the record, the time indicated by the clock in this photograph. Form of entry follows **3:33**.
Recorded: **8:59**
